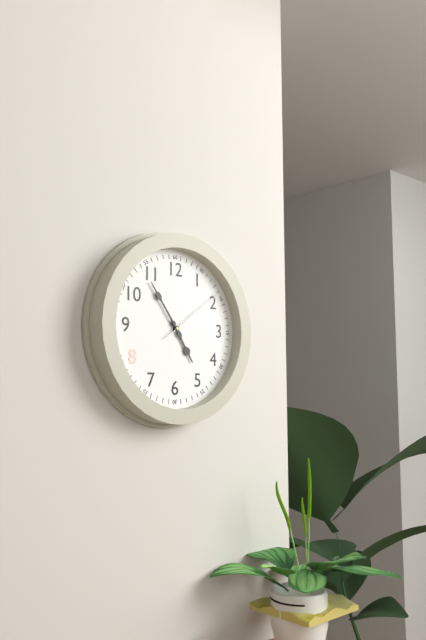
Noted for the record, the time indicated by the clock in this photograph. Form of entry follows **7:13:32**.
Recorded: **4:54:09**
